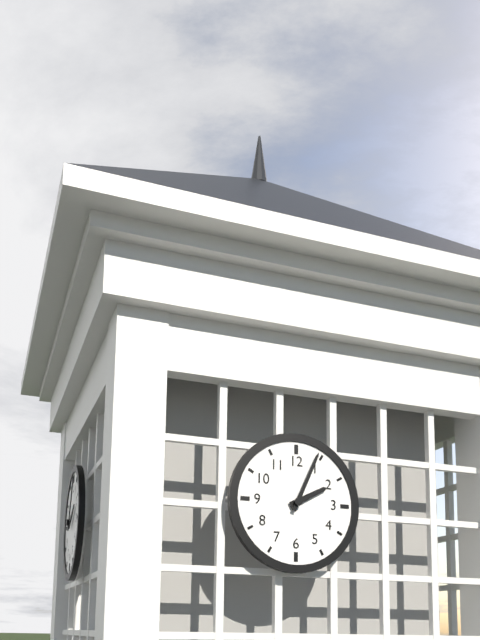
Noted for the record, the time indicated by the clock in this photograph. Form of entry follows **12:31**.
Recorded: **2:04**
